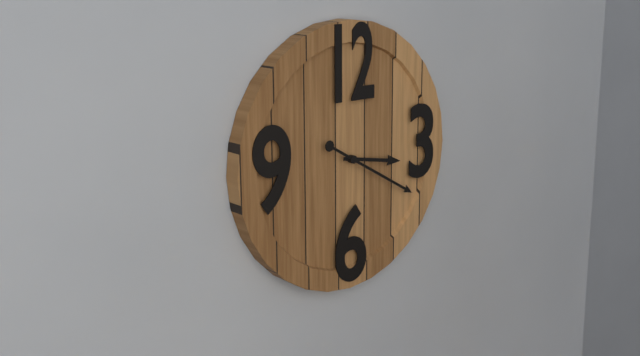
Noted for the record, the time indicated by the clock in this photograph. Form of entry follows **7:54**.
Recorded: **3:20**
